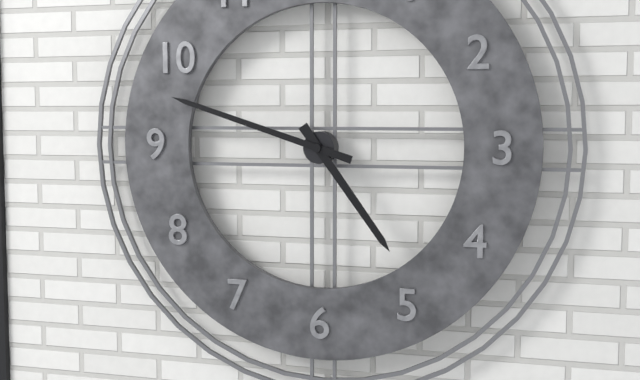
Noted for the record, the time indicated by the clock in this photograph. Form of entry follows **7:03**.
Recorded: **4:48**
